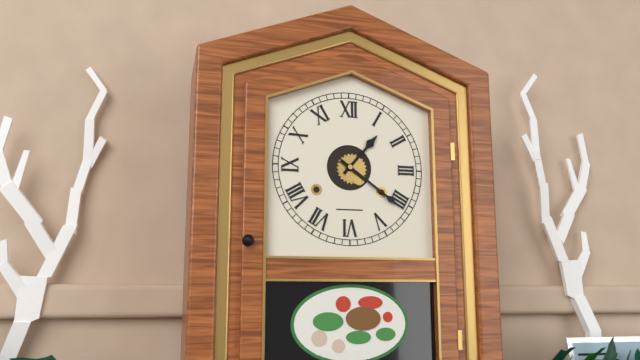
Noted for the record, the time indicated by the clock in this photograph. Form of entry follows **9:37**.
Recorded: **1:21**
